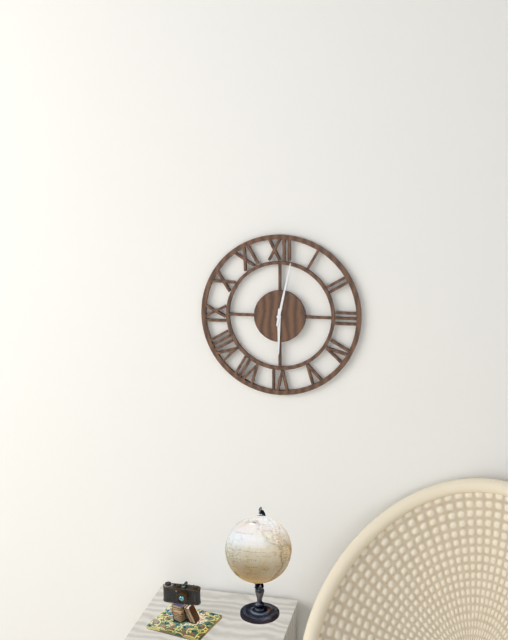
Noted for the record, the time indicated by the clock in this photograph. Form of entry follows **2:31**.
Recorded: **6:02**
